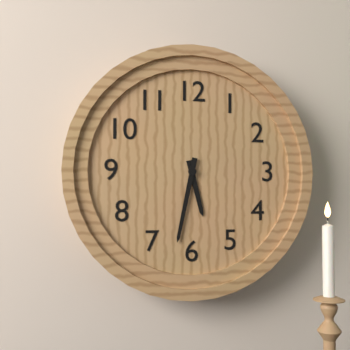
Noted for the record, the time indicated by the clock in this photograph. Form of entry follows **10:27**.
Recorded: **5:32**
